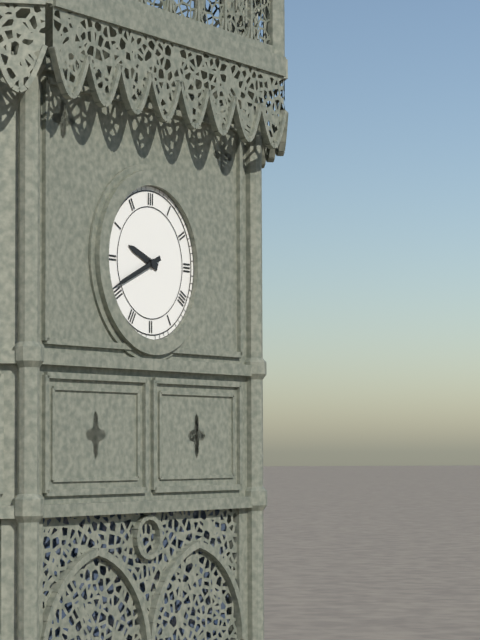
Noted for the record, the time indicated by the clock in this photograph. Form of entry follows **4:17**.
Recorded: **9:41**
